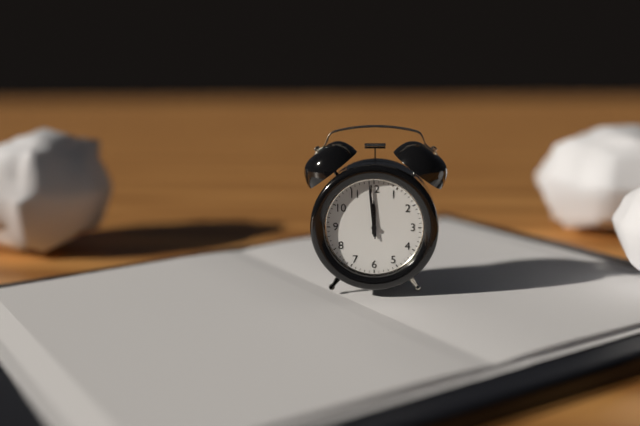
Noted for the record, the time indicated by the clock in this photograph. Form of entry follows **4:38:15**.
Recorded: **11:59:59**
